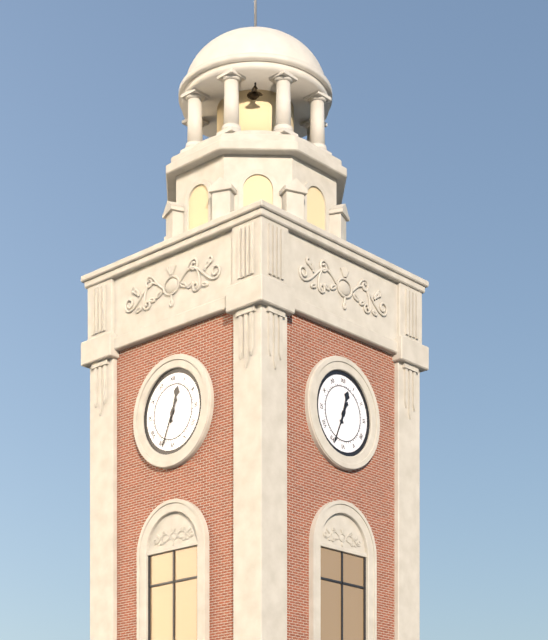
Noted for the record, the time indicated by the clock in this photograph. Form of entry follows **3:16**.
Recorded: **12:34**
